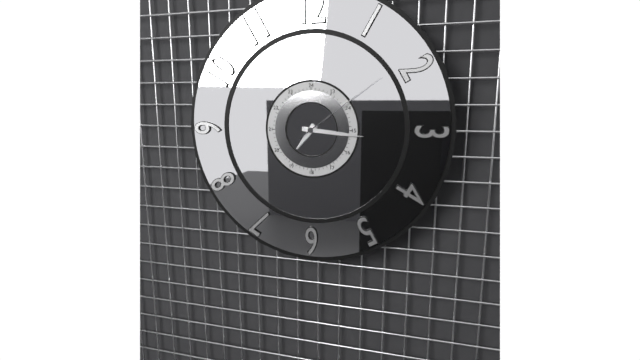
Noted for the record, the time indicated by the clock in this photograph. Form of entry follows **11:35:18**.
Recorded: **7:16:09**
